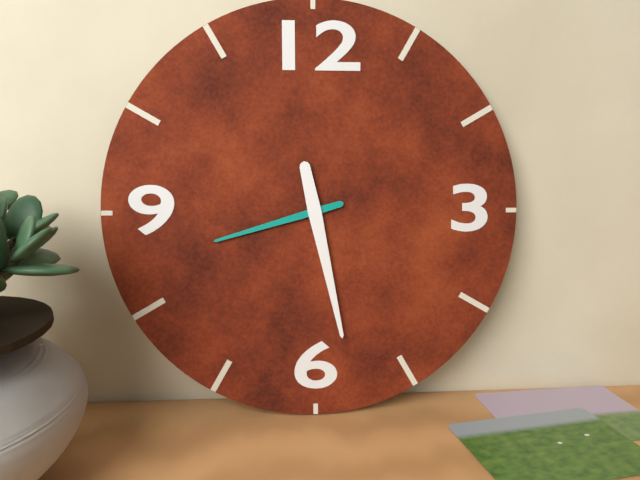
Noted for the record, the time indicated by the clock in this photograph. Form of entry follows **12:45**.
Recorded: **8:28**
